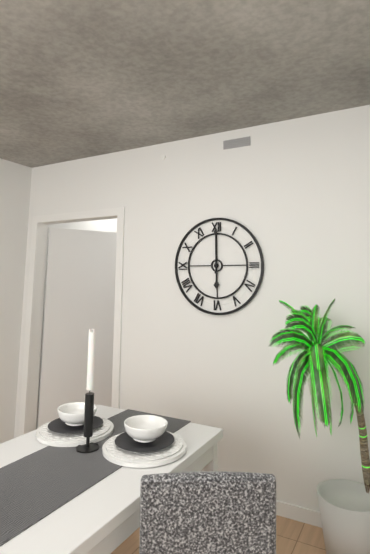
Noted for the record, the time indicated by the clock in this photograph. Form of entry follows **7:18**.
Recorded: **6:00**
